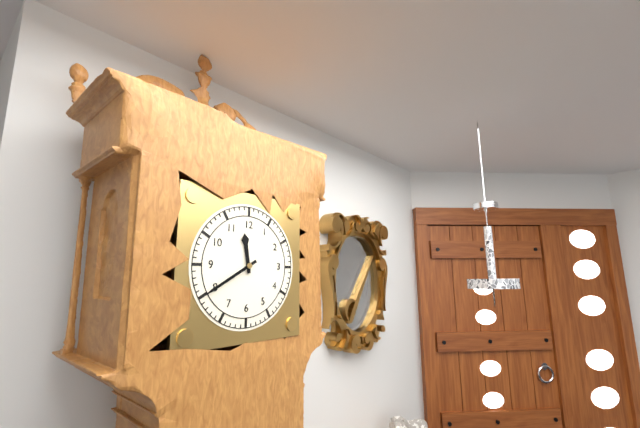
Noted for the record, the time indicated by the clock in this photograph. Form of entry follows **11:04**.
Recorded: **11:40**
